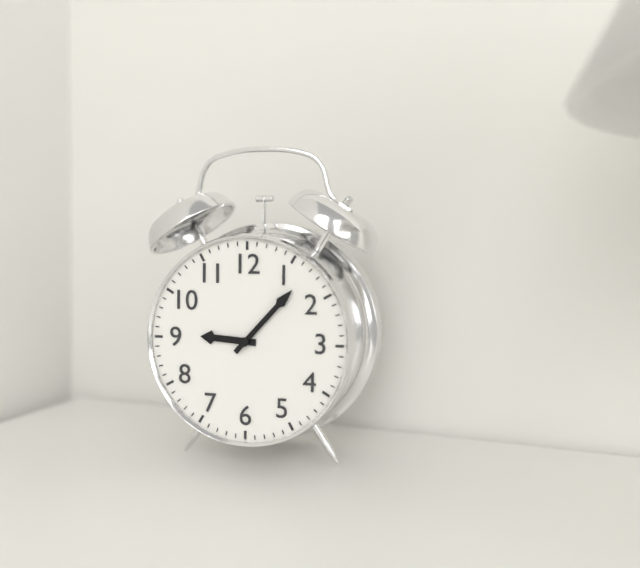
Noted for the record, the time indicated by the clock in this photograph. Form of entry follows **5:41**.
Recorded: **9:07**
